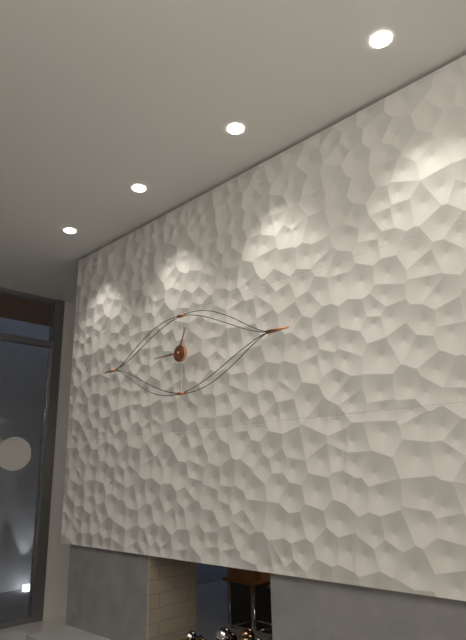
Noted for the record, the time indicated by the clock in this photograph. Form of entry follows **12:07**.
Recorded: **12:45**
